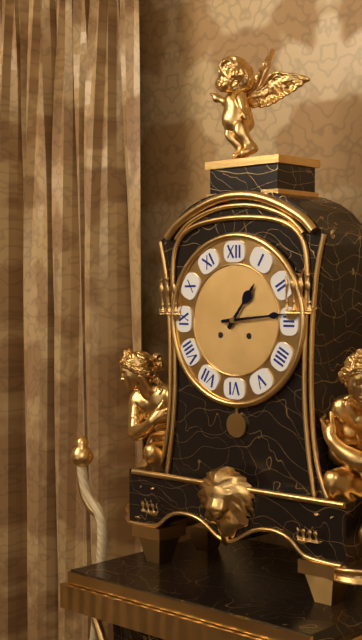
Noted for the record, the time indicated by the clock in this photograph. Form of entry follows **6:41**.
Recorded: **1:14**
